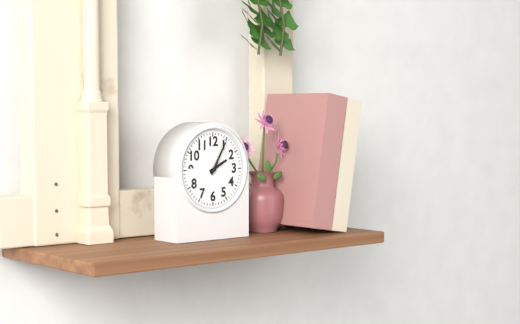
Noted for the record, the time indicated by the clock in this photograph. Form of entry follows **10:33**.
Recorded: **2:05**
